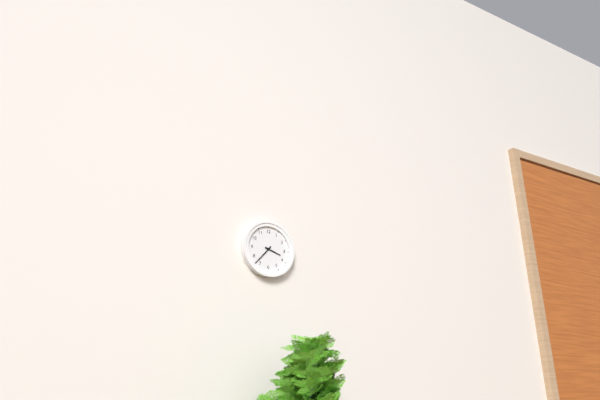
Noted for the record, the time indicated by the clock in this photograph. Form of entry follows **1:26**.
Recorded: **3:37**
